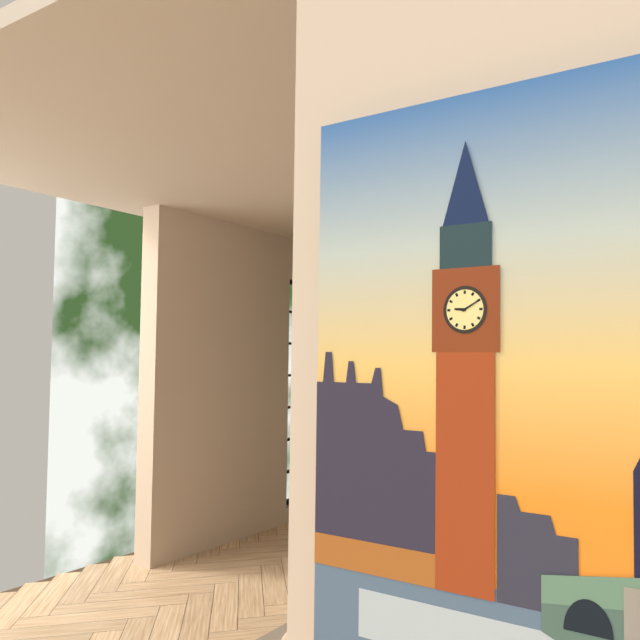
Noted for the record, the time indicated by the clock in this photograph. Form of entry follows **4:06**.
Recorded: **9:10**
